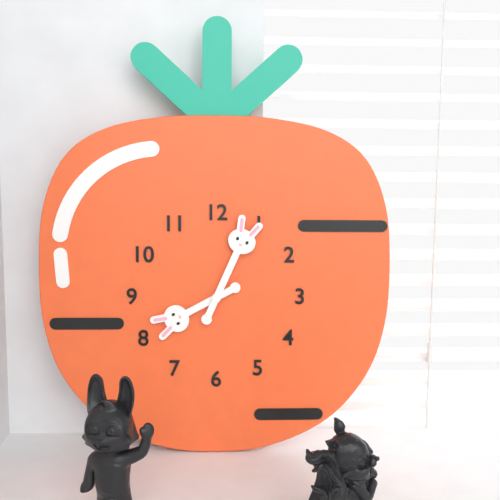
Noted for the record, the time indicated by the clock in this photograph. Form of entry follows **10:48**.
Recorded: **8:04**
